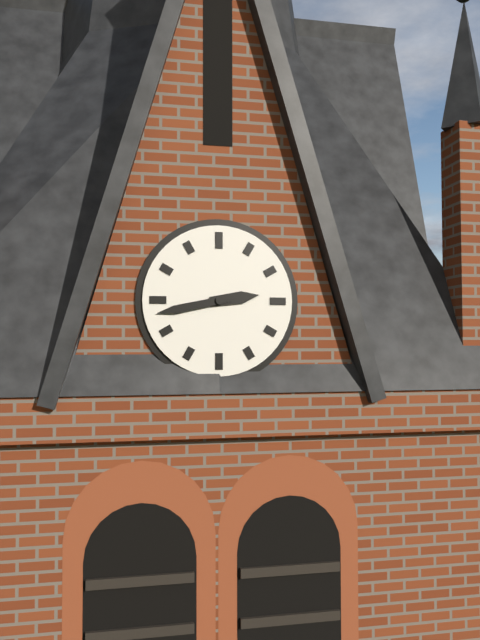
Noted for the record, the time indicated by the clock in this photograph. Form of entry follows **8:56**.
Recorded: **2:43**
